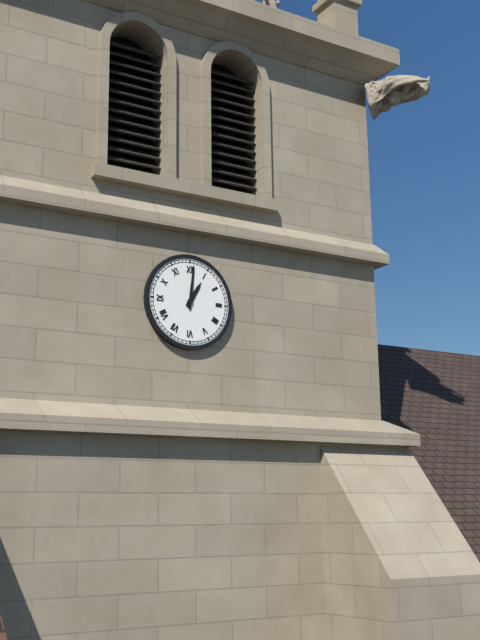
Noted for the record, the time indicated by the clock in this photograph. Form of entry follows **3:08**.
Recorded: **1:01**
